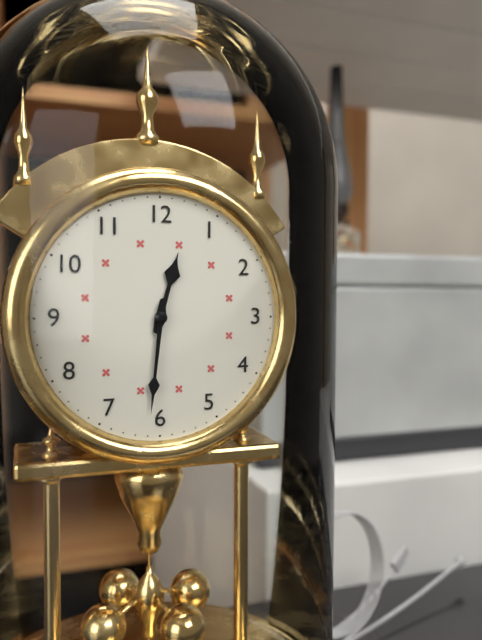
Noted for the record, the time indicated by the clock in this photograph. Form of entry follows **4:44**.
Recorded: **12:31**
